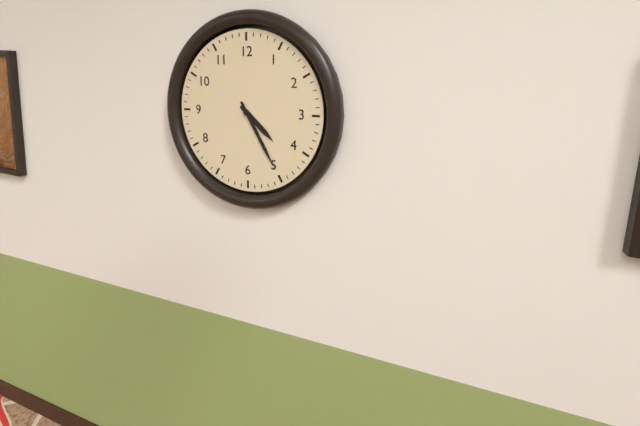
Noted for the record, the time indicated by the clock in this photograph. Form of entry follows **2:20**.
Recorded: **4:25**
